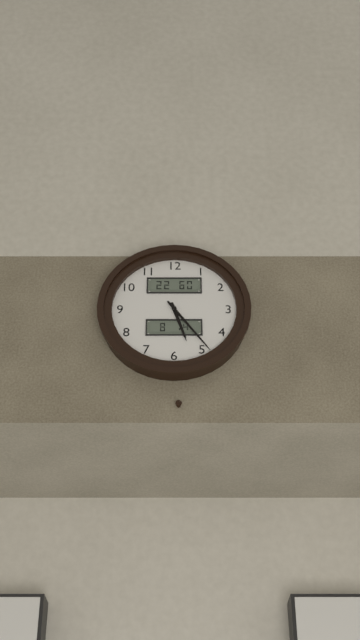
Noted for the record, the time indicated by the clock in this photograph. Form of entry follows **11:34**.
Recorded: **5:24**
